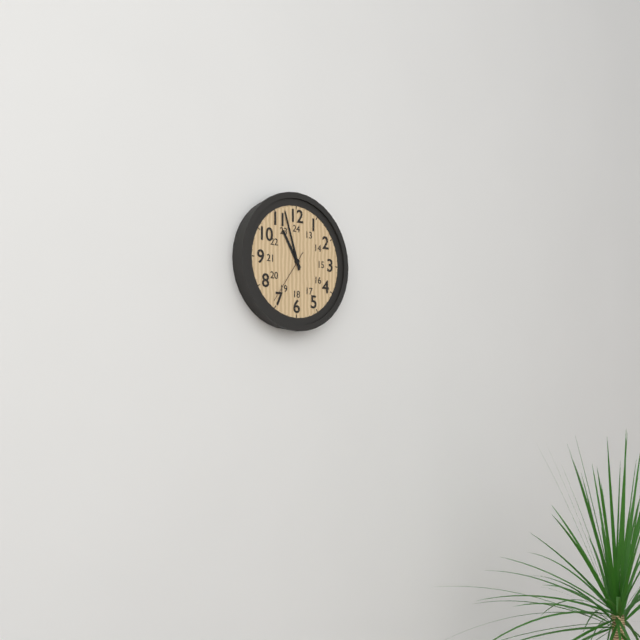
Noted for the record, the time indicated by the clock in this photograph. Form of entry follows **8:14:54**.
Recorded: **10:57:36**
